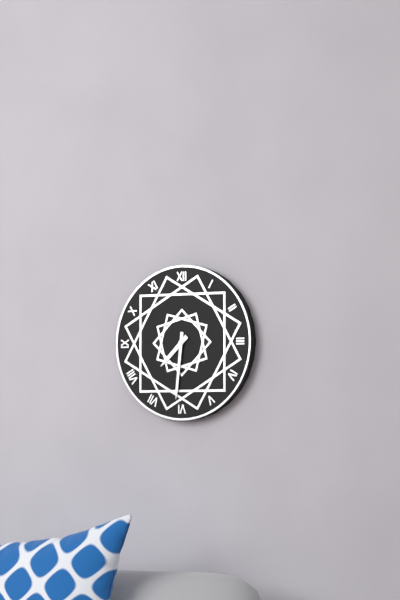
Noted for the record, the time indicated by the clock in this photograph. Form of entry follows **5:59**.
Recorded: **7:31**
